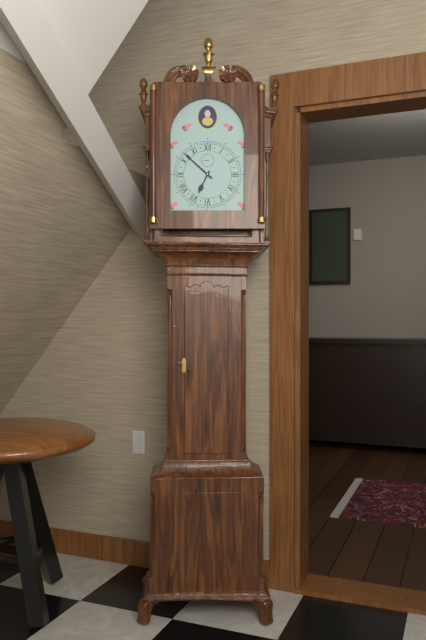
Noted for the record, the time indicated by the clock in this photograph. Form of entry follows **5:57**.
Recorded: **6:52**
